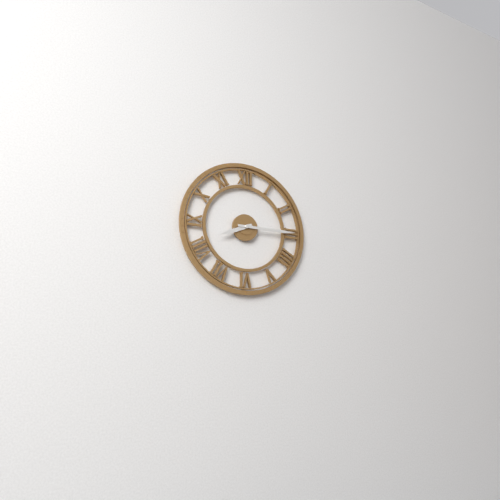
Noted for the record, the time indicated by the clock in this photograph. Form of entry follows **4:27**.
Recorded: **8:15**
